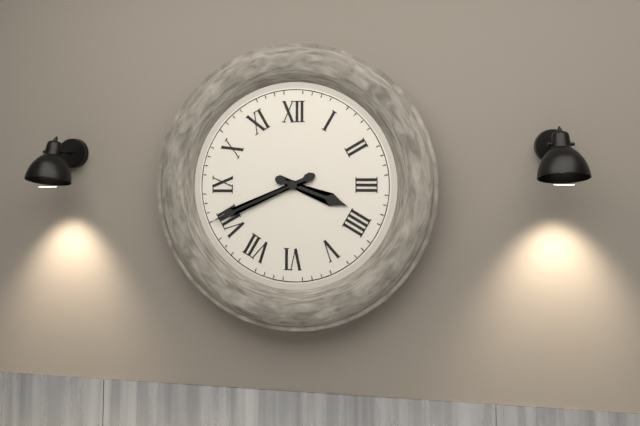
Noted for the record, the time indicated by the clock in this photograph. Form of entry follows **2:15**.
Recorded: **3:41**
